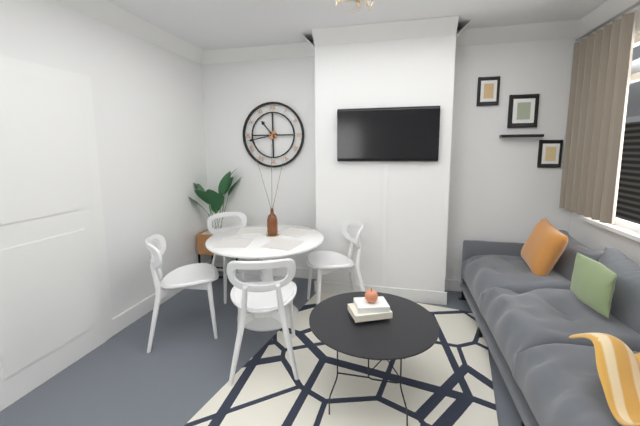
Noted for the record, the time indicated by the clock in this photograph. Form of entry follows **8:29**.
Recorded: **10:43**
